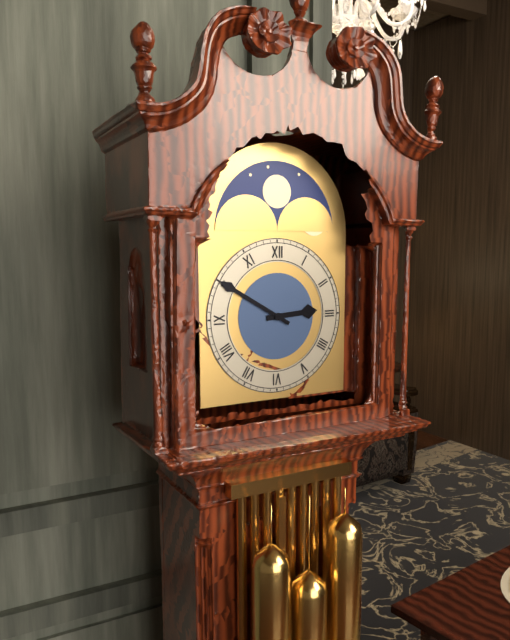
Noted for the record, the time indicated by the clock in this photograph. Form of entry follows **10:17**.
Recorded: **2:50**
